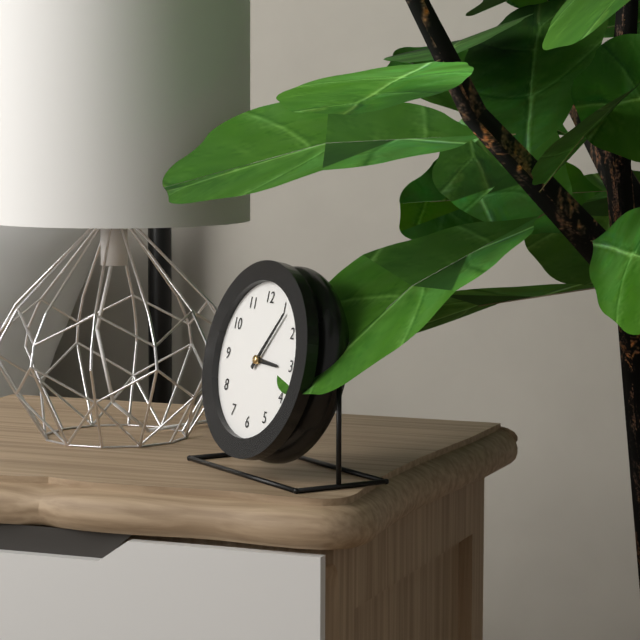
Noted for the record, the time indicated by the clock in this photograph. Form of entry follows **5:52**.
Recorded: **3:06**
